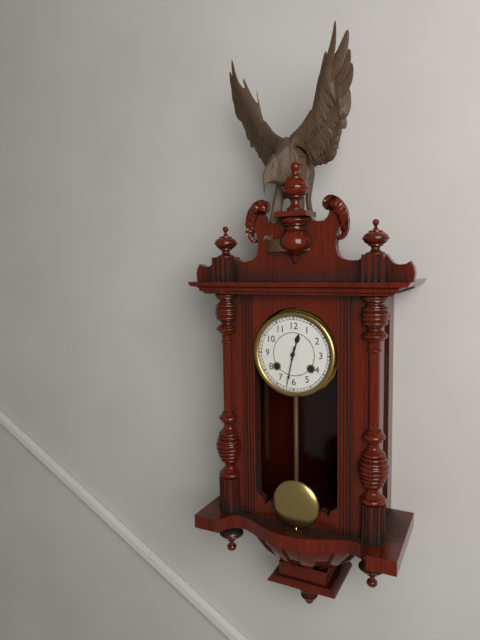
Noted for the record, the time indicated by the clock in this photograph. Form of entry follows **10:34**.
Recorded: **12:32**
